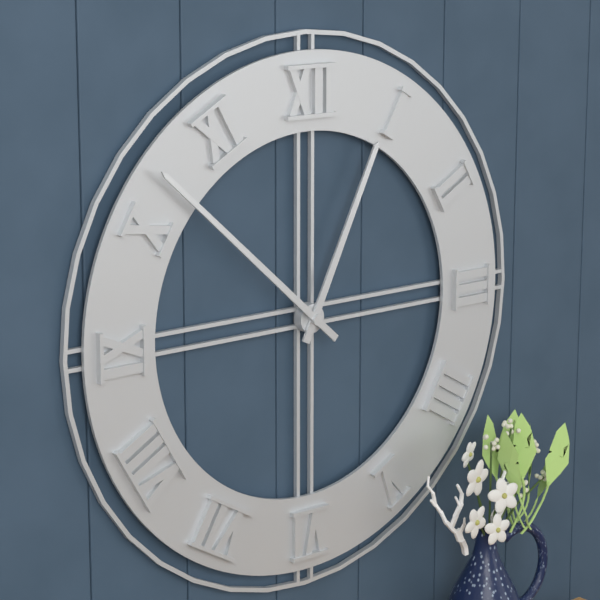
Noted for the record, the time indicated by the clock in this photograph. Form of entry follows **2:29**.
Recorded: **12:52**
